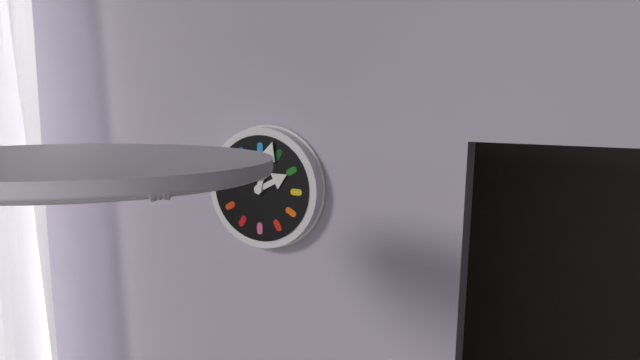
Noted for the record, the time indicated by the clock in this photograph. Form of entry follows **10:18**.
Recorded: **2:03**
